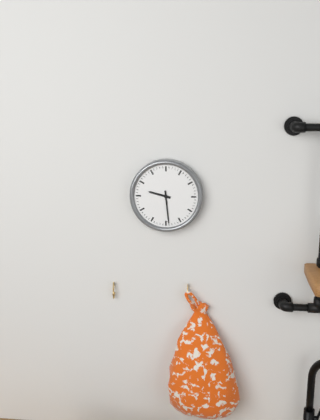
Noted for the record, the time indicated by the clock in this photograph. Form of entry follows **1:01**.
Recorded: **9:29**
